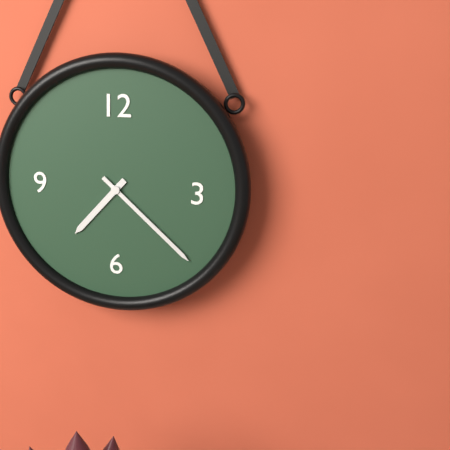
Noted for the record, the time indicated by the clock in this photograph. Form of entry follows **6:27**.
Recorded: **7:22**
